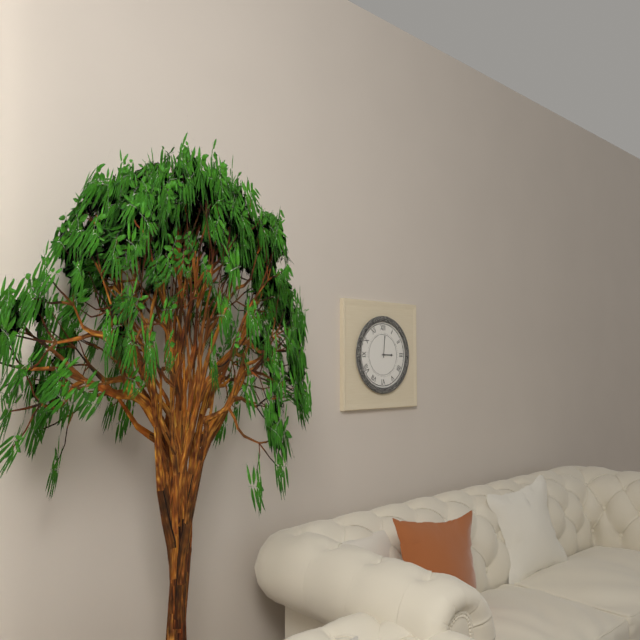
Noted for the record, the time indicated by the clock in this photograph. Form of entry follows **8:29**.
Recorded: **3:01**
